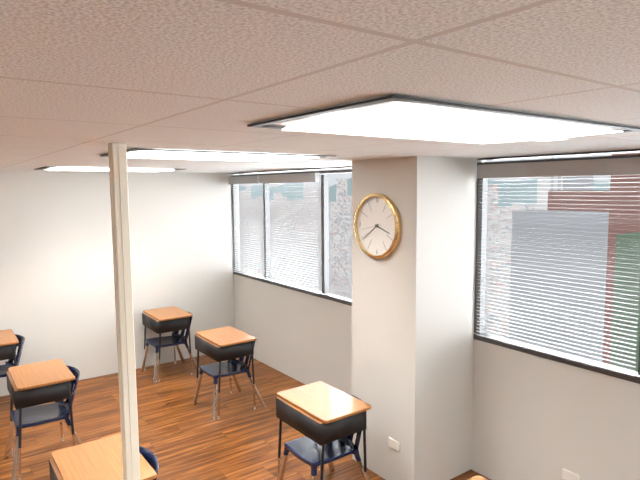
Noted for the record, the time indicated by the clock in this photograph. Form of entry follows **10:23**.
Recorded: **3:39**
